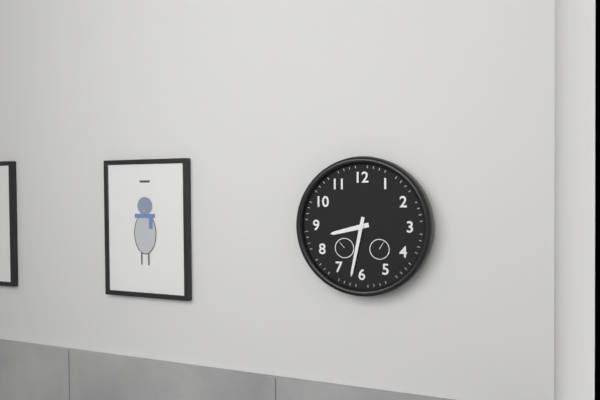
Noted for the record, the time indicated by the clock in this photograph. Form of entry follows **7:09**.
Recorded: **8:32**
